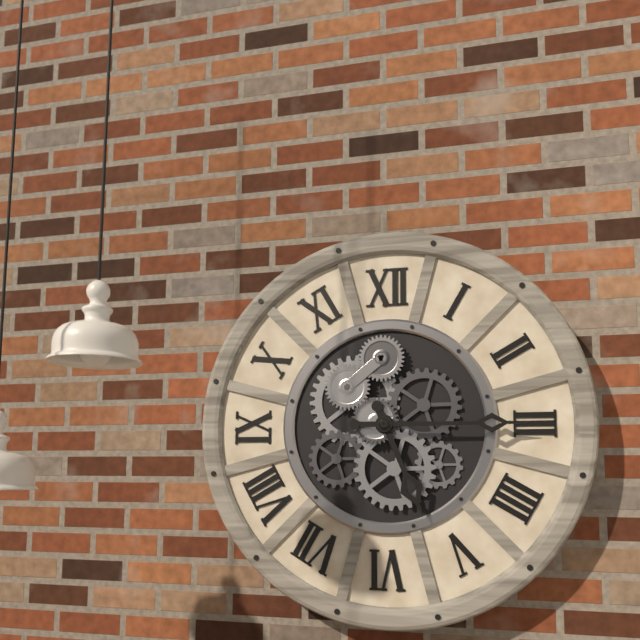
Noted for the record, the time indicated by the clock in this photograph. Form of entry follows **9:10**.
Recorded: **5:15**
